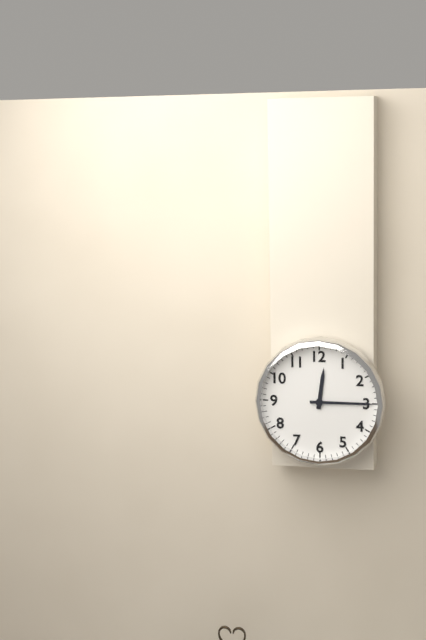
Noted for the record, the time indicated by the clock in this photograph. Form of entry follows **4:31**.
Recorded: **12:15**
